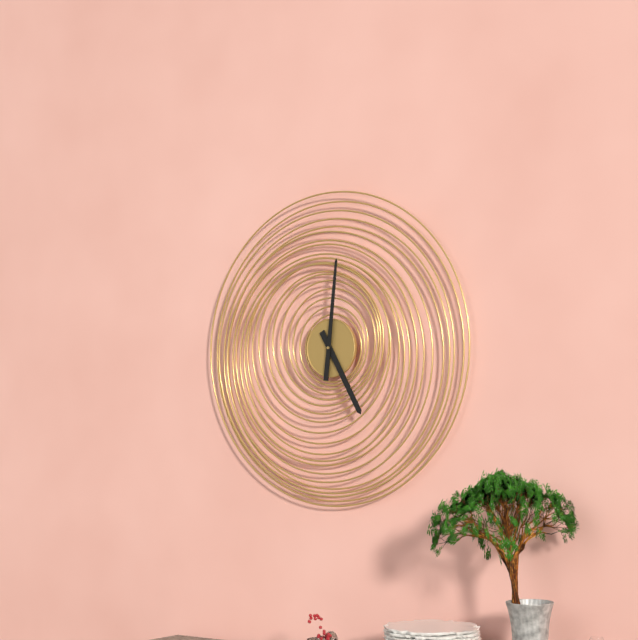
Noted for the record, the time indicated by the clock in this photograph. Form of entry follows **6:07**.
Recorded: **5:01**
